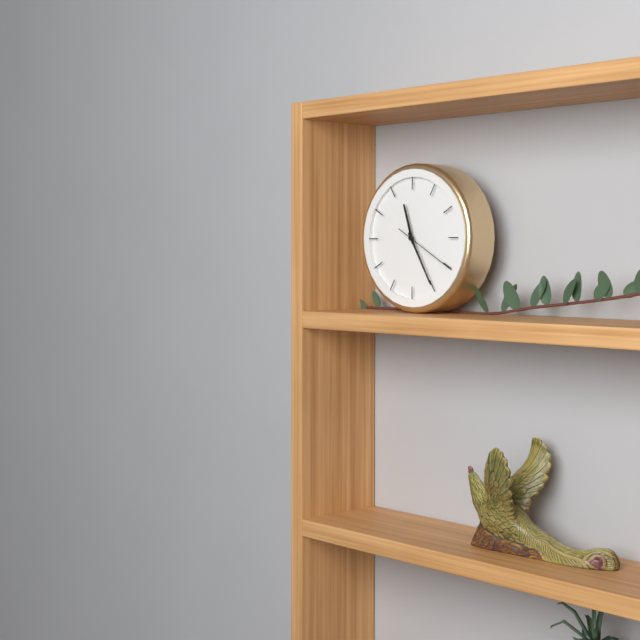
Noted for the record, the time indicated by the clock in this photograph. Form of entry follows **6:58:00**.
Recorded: **11:25:20**
